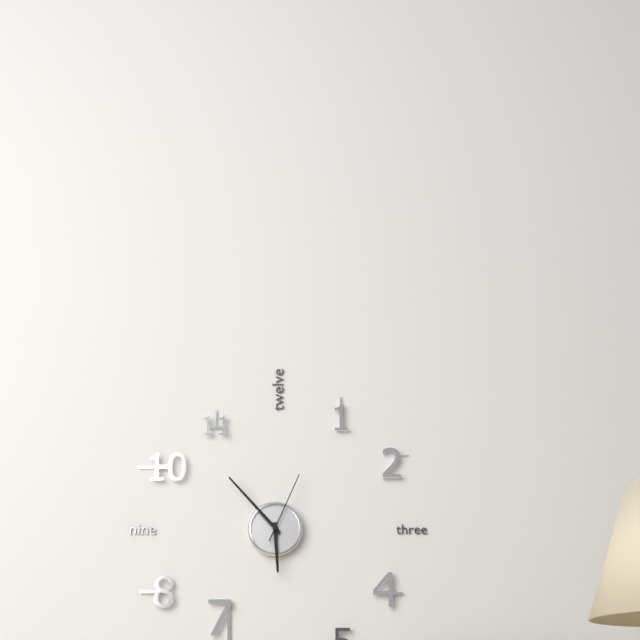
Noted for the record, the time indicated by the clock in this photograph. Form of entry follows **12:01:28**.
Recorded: **5:53:04**
